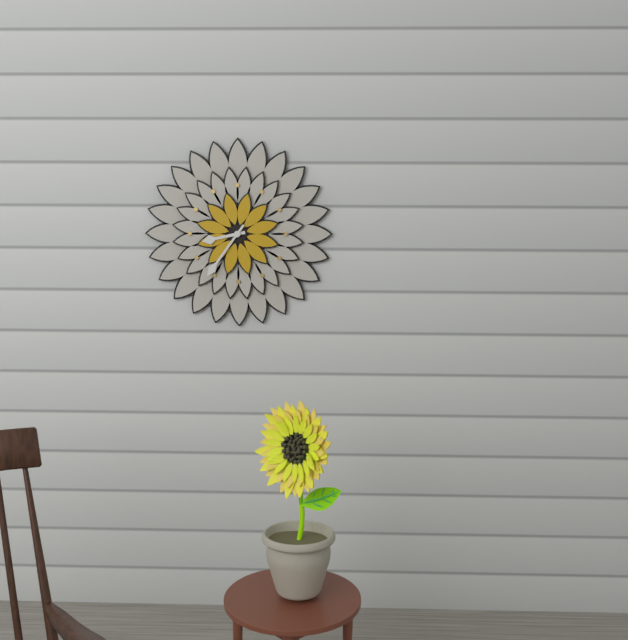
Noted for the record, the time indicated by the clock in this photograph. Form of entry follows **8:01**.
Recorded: **8:36**
